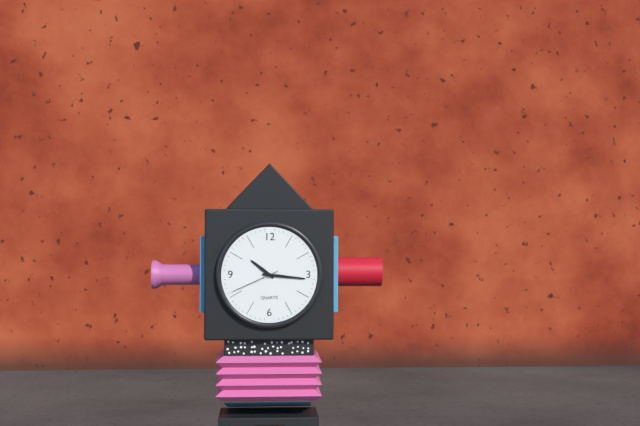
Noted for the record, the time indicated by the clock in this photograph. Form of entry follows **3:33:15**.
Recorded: **10:16:41**
